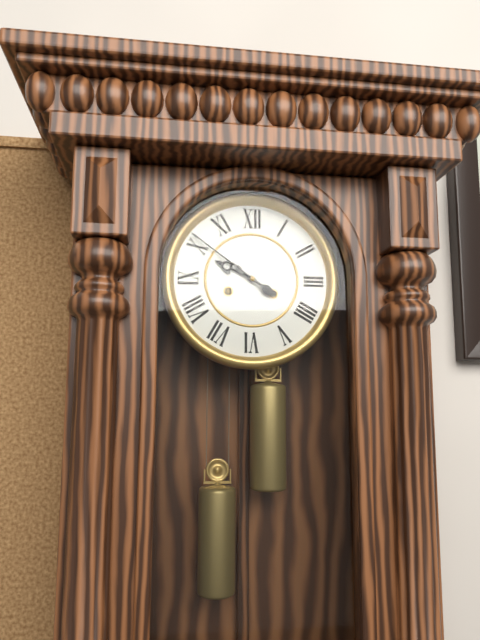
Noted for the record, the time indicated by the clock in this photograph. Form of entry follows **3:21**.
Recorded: **9:51**
